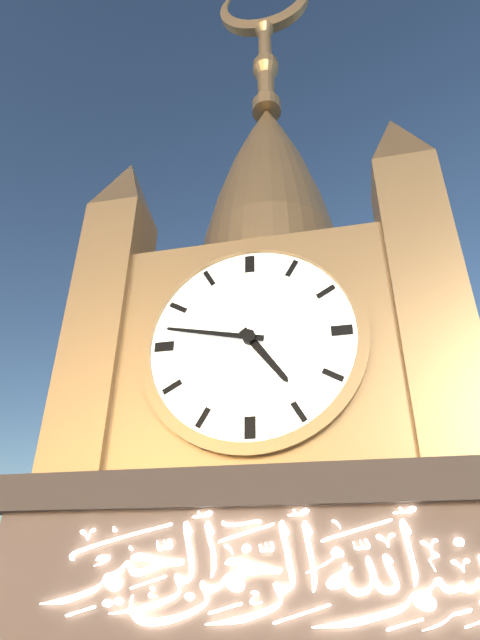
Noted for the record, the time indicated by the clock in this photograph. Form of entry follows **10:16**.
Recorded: **4:47**
